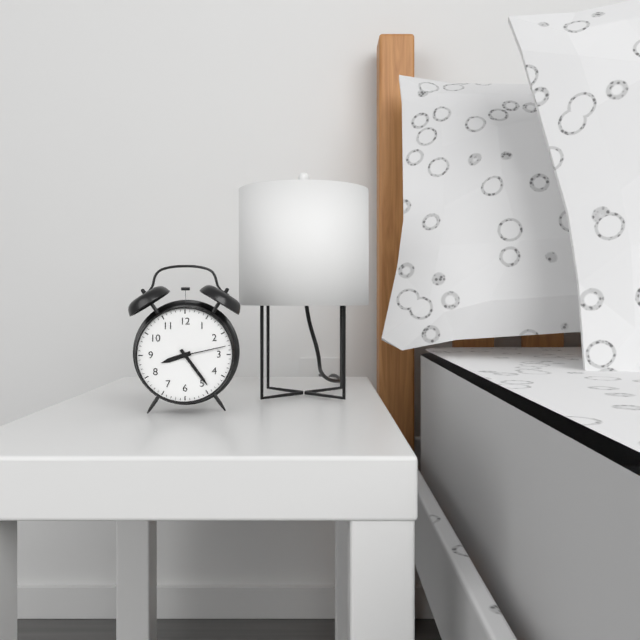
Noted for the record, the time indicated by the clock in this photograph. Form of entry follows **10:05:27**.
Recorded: **8:24:13**
